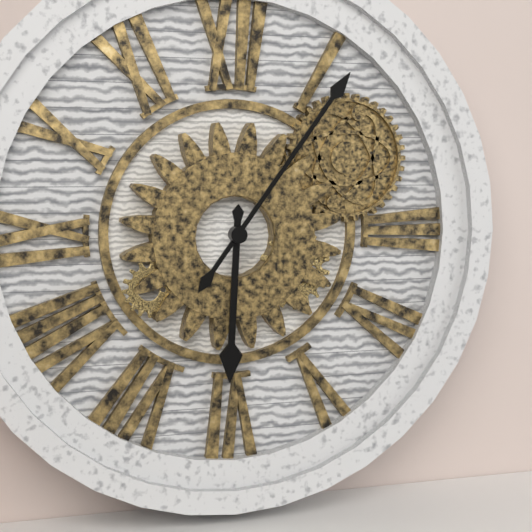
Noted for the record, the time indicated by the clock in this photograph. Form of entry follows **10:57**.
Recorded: **6:06**
